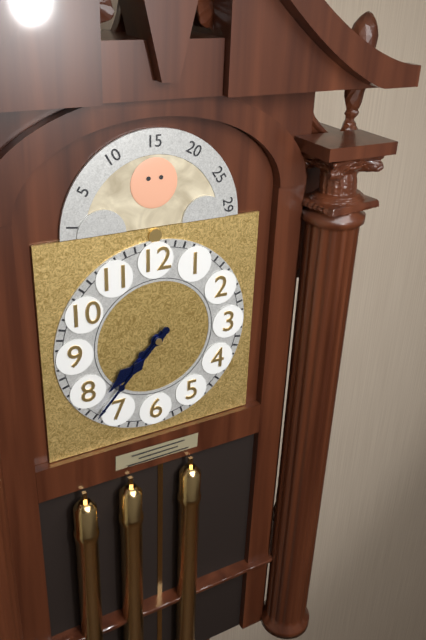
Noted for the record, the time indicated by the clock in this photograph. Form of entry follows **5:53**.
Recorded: **7:37**
